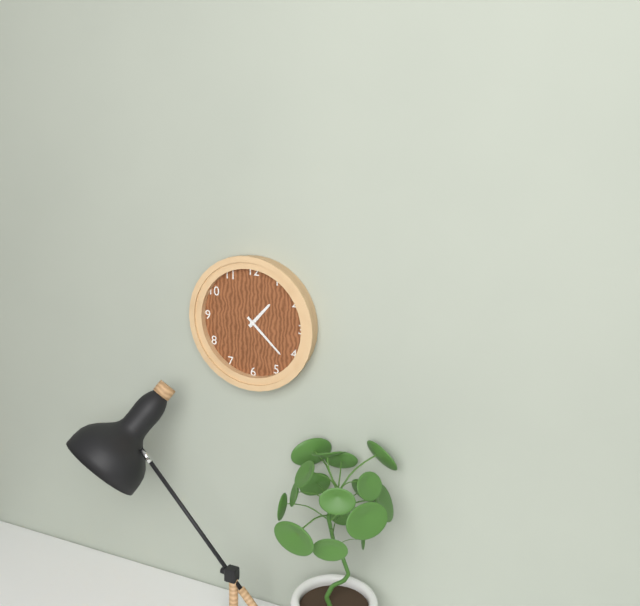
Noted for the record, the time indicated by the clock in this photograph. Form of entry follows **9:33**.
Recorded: **1:22**
